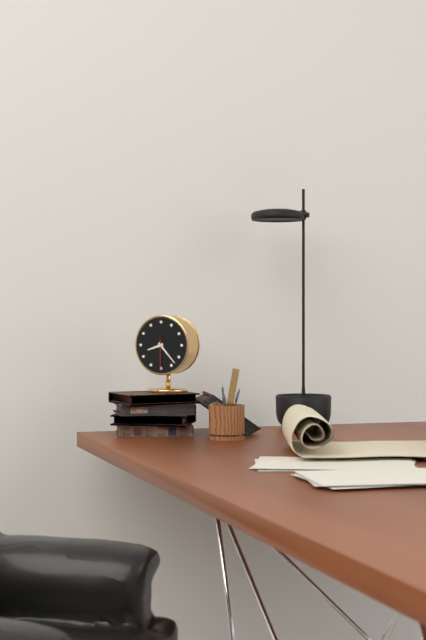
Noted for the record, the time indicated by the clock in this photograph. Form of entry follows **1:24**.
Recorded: **8:23**
